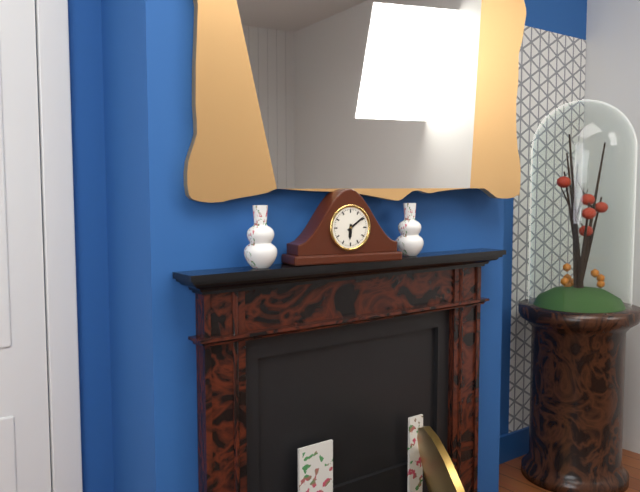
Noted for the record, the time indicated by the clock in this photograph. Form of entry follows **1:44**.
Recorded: **6:09**
